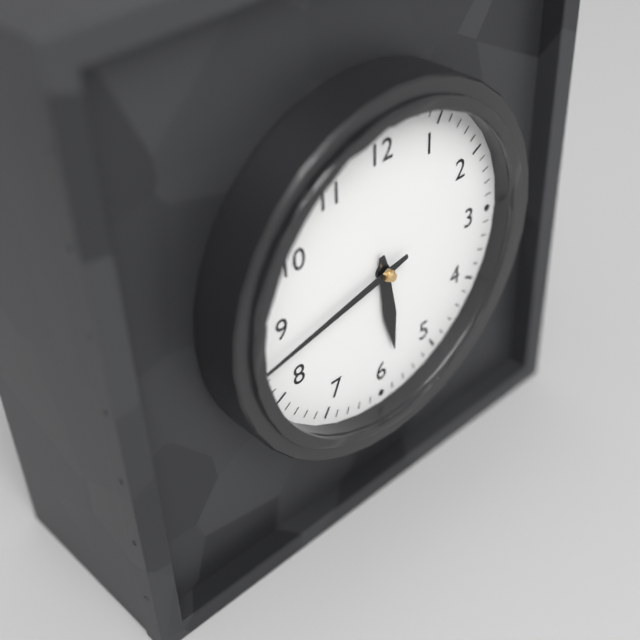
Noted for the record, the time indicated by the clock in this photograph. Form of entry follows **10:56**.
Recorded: **5:43**
